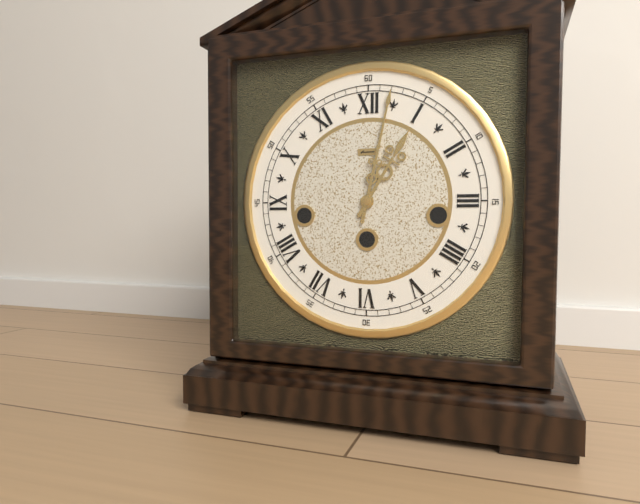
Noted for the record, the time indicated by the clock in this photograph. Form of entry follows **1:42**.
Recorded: **1:02**
